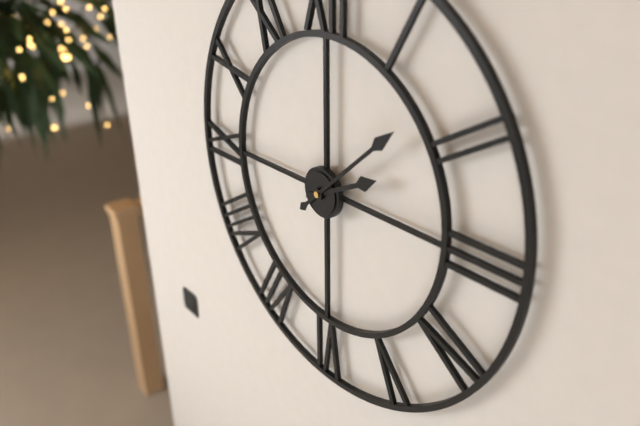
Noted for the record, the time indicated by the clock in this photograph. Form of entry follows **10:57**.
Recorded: **2:08**
